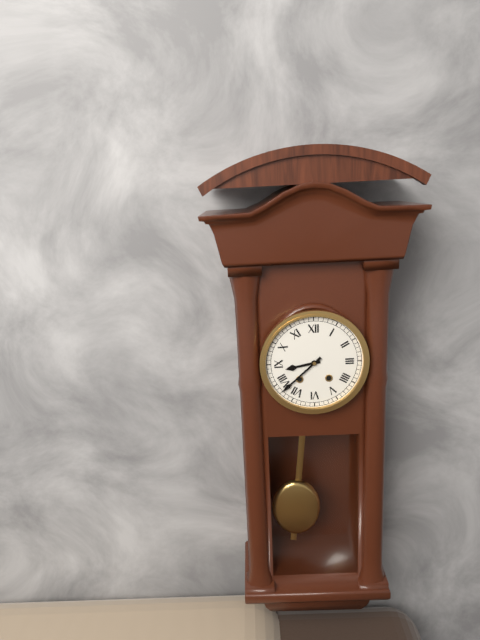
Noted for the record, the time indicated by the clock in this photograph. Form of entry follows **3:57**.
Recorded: **8:38**
